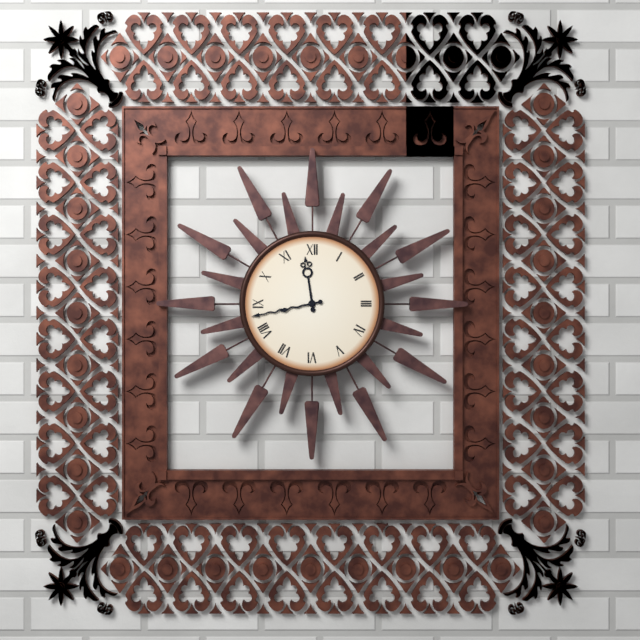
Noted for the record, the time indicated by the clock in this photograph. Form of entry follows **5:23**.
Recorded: **11:43**
